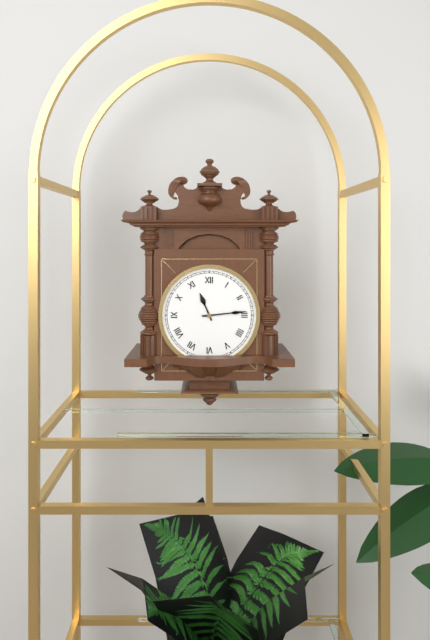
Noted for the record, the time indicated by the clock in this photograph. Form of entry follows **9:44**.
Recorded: **11:14**
